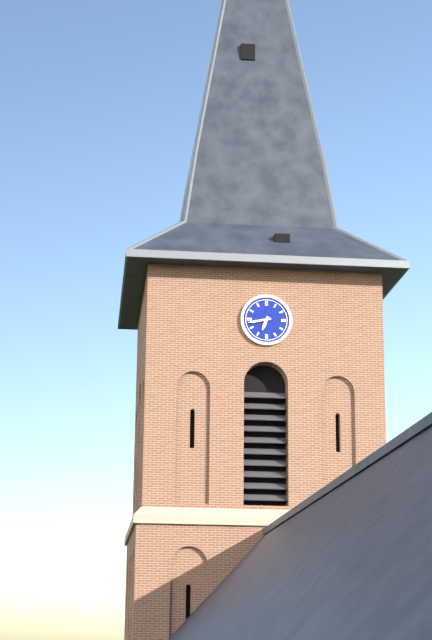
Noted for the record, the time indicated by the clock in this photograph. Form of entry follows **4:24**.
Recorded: **6:43**
